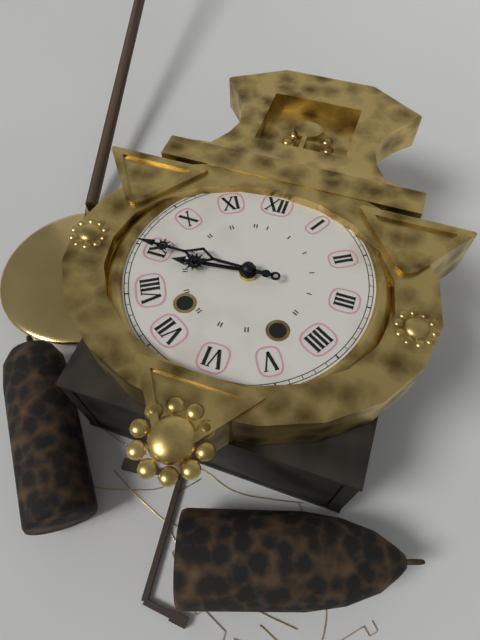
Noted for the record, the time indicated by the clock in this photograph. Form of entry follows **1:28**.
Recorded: **8:45**
